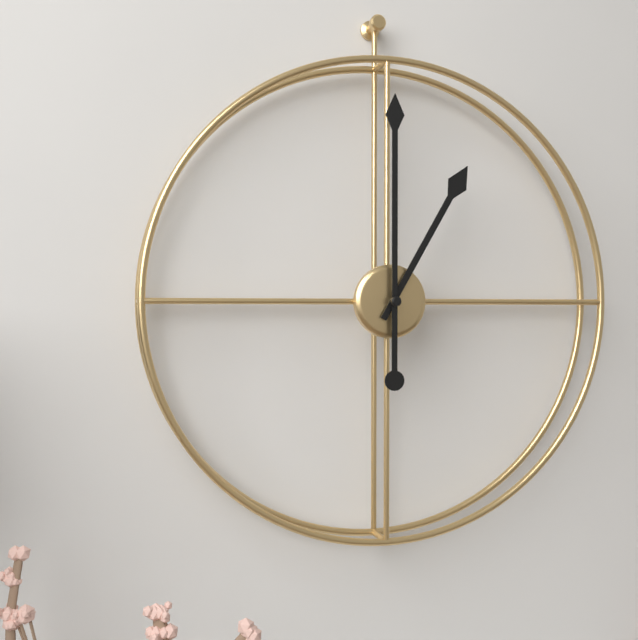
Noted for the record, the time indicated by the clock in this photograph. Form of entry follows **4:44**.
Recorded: **1:00**
